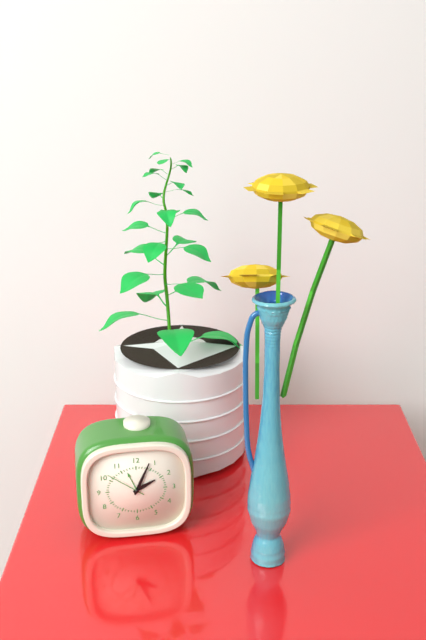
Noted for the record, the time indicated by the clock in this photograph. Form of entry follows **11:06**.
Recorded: **2:04**
